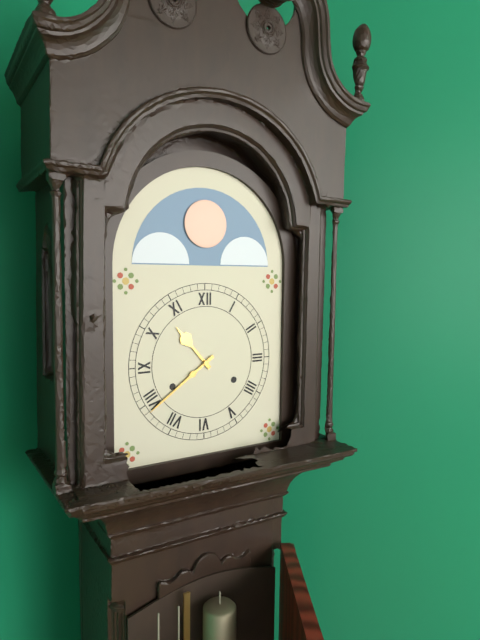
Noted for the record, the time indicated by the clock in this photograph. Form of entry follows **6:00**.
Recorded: **10:39**
